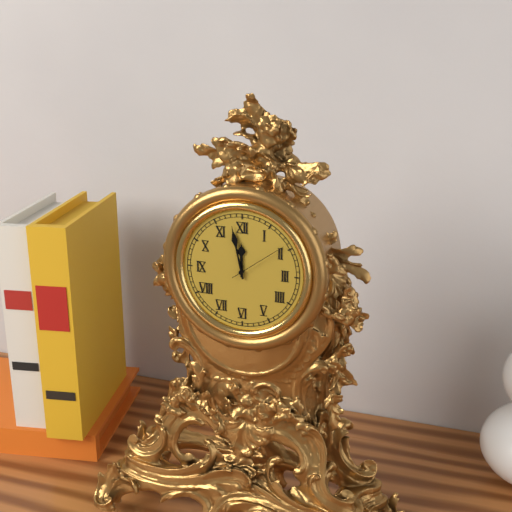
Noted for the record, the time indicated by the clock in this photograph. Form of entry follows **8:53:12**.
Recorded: **11:58:09**
